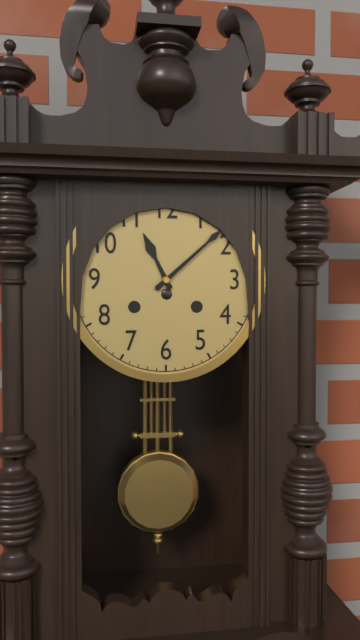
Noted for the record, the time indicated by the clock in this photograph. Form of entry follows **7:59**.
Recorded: **11:08**
